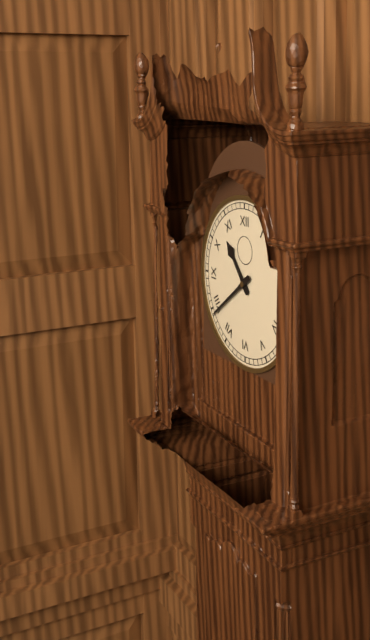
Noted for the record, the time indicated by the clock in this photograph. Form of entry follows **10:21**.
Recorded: **10:39**
